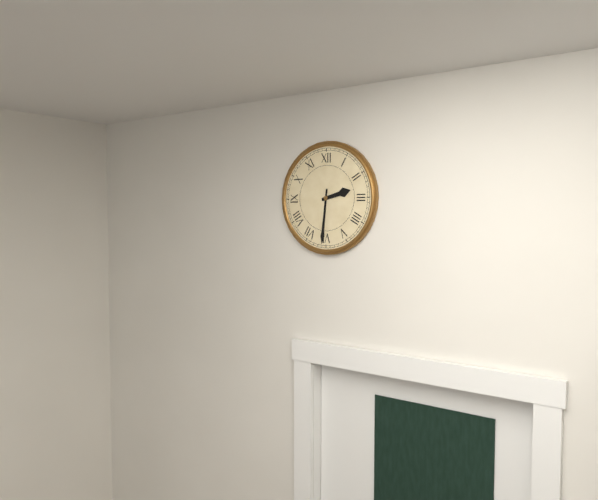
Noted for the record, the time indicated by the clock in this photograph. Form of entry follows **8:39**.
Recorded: **2:31**
